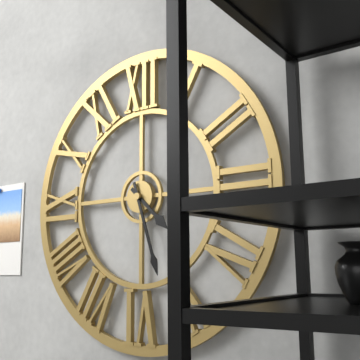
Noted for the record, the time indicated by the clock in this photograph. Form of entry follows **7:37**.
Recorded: **4:27**
